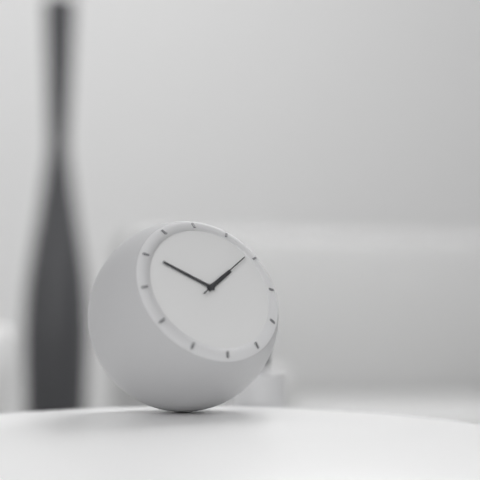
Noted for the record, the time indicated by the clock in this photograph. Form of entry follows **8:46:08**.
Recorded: **1:50:09**
